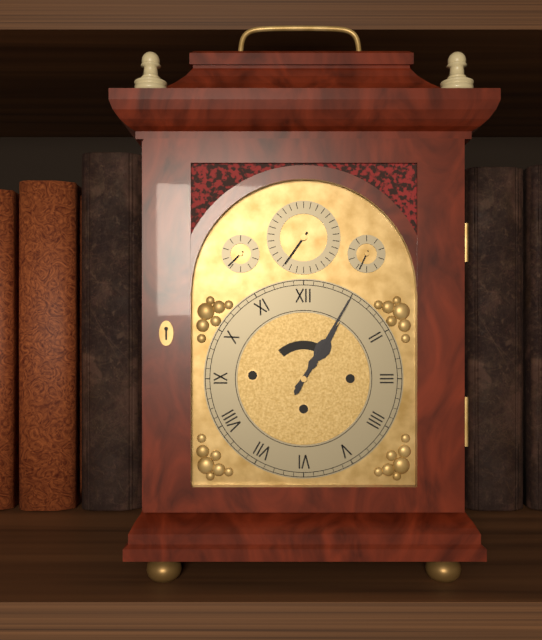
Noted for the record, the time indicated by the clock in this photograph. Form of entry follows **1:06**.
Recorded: **1:05**
